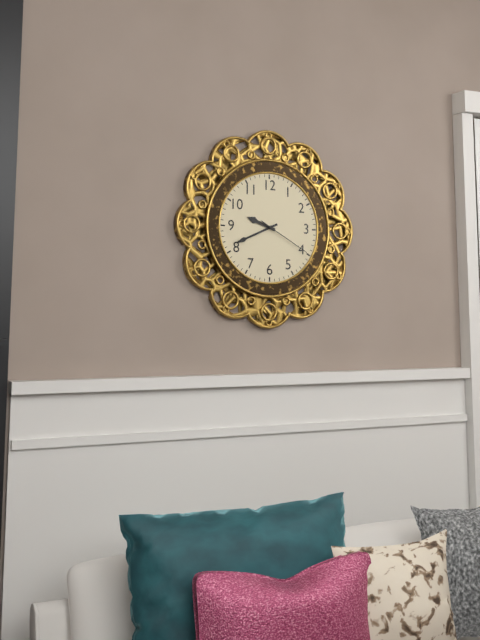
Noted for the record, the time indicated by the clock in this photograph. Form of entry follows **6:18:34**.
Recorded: **9:41:20**
